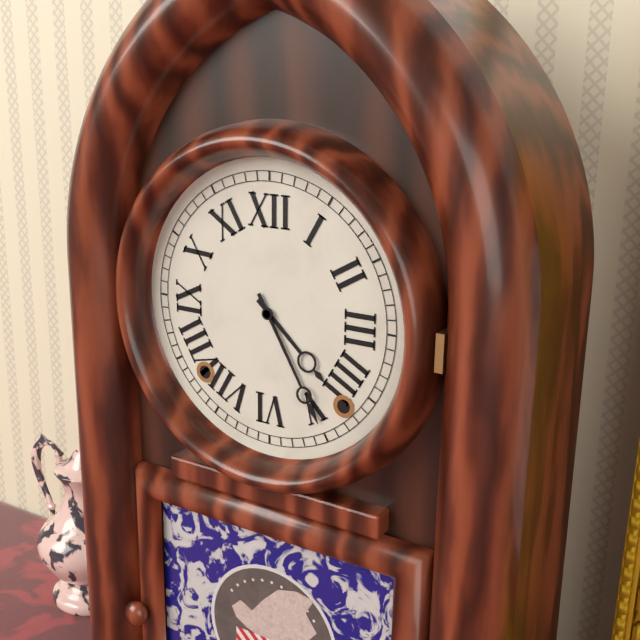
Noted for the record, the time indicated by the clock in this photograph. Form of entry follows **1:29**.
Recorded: **4:25**
